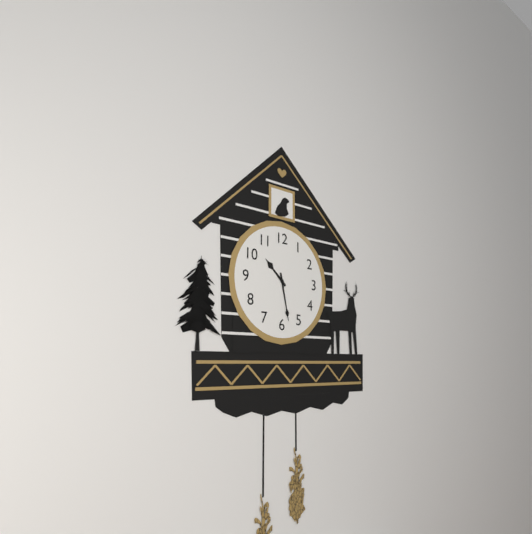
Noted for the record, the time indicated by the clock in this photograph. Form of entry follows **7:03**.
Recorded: **10:28**
